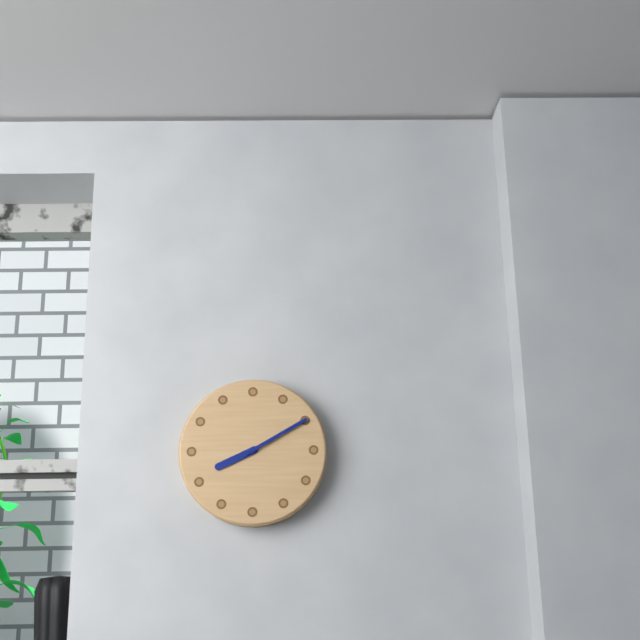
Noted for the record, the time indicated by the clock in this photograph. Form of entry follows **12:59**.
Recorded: **8:10**
